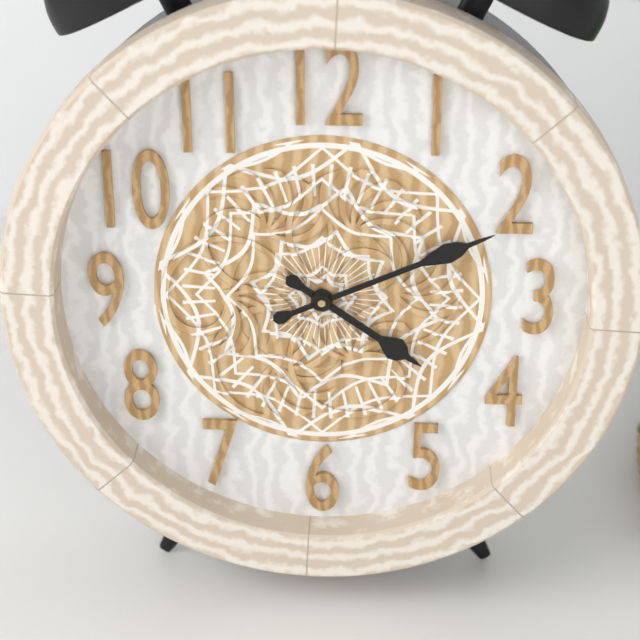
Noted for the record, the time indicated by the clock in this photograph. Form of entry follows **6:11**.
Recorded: **4:11**
